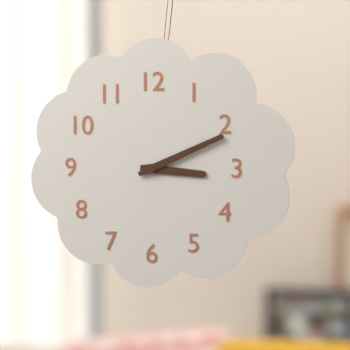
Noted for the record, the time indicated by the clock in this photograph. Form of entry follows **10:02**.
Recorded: **3:11**
